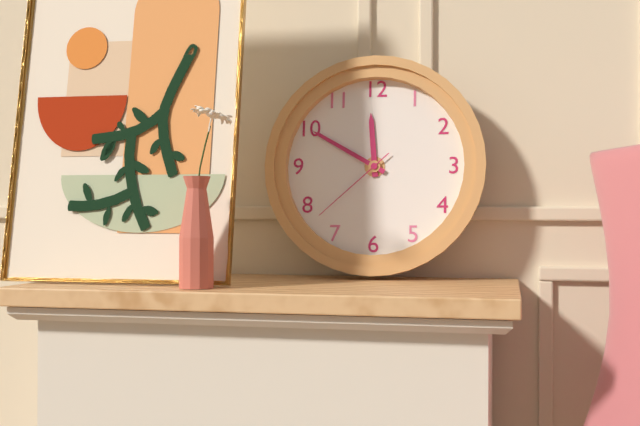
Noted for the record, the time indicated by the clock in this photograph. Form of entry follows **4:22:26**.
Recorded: **11:50:38**
